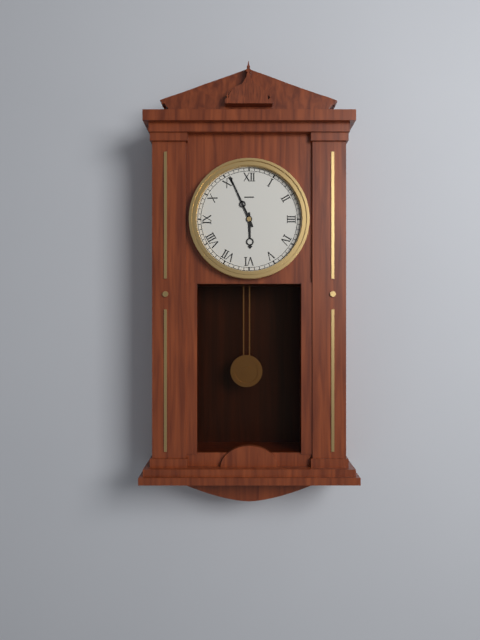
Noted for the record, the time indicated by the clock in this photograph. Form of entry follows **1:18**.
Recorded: **5:56**
